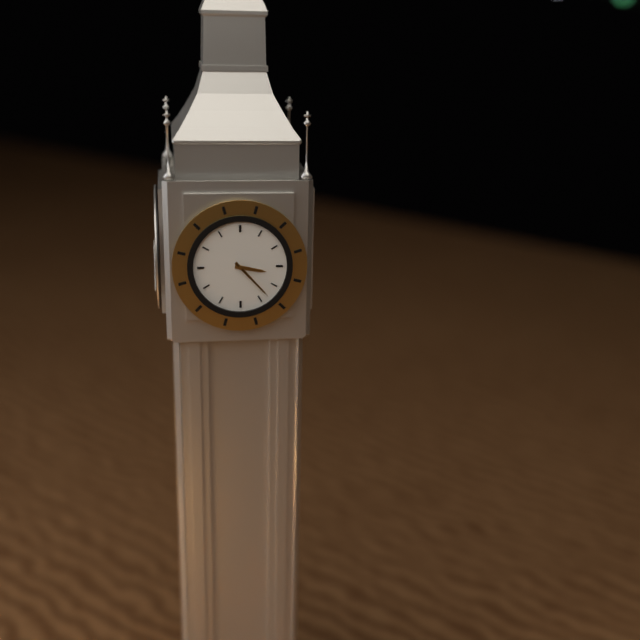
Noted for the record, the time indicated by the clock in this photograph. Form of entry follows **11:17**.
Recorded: **3:23**
